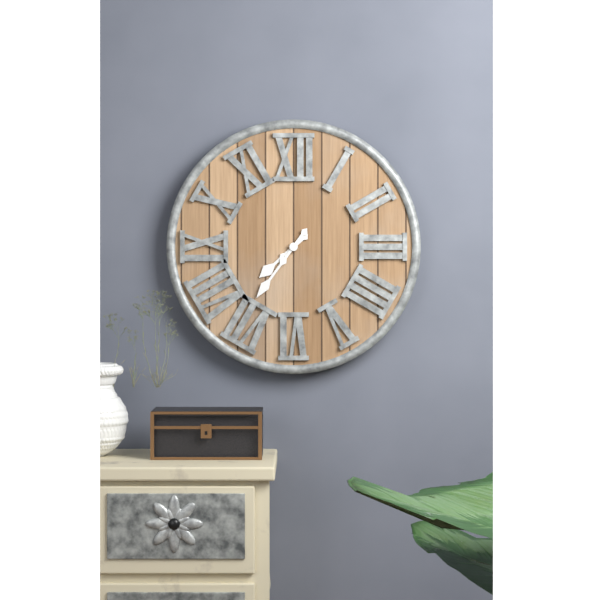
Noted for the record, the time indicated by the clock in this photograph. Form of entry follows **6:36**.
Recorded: **7:36**
